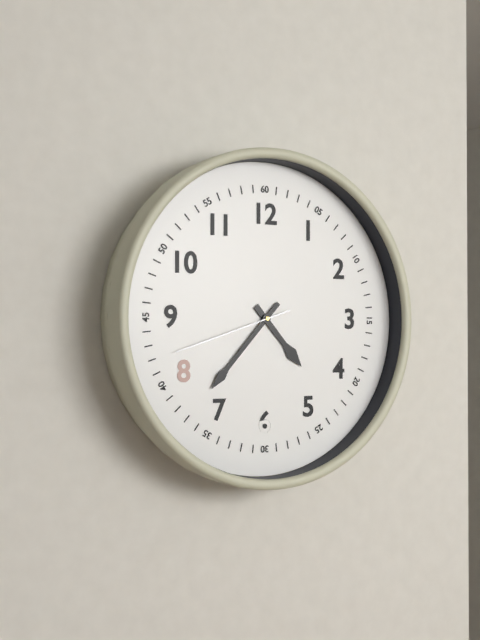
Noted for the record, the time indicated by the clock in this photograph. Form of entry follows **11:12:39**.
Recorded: **4:37:42**
